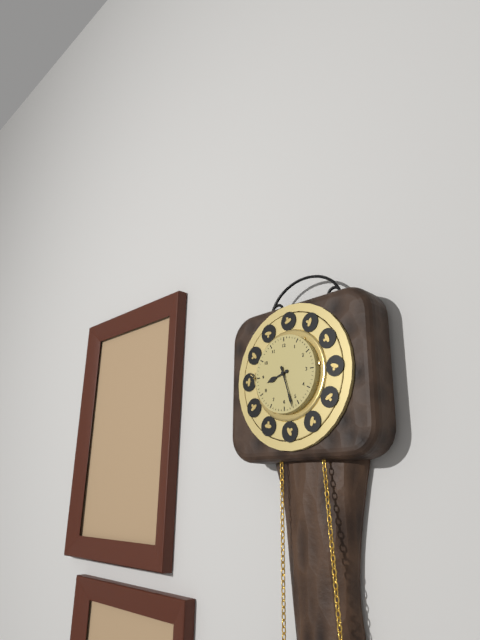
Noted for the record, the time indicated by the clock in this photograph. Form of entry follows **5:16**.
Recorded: **8:27**
